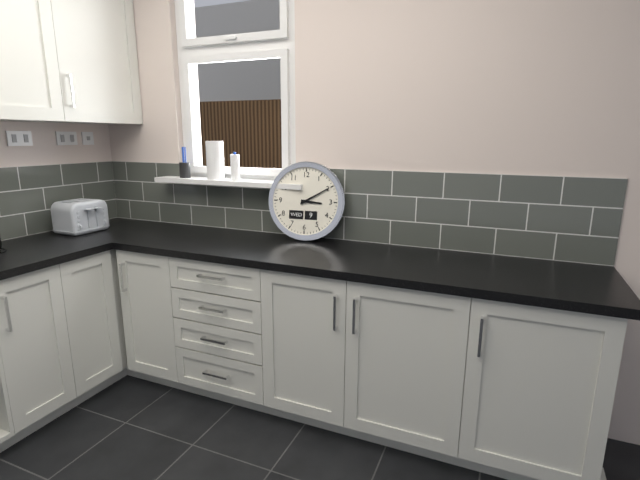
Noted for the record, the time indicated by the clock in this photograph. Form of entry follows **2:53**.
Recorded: **3:10**
